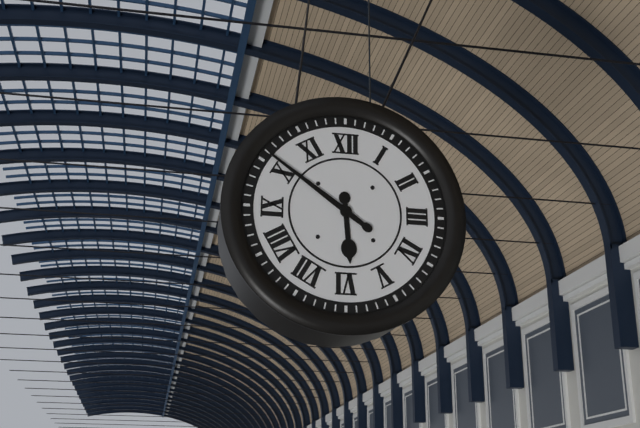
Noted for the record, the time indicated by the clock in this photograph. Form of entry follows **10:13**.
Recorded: **5:51**
